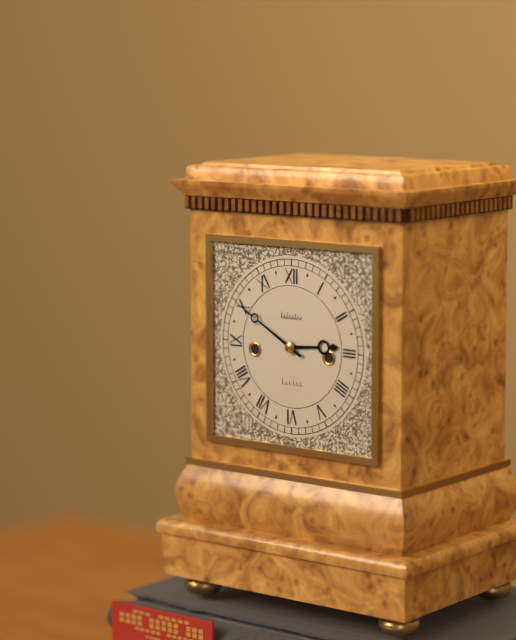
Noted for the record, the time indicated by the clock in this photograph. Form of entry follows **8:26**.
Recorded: **2:50**
